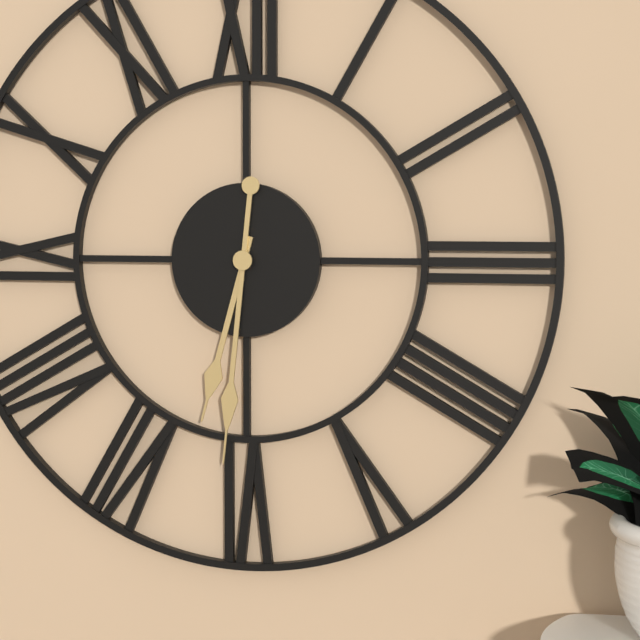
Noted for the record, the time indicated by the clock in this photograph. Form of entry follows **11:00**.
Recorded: **6:31**
